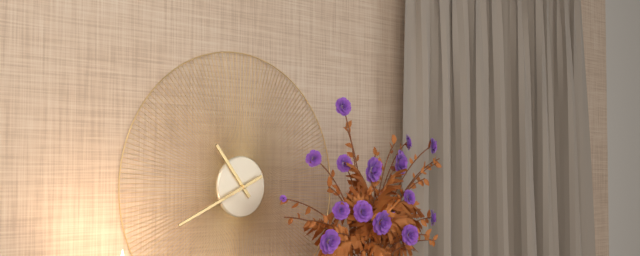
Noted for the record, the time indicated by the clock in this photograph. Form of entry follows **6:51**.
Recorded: **10:41**
